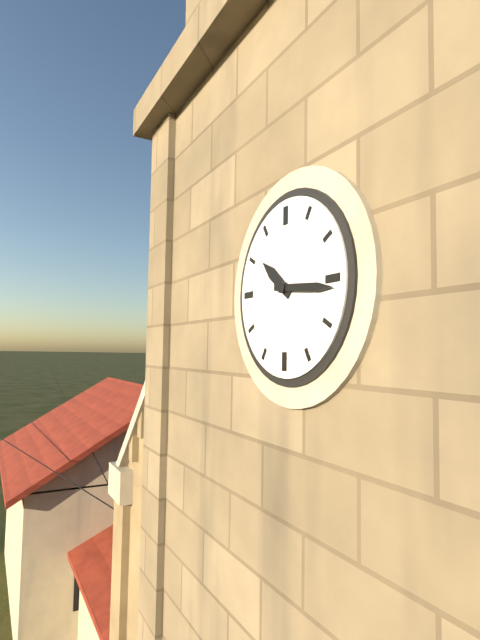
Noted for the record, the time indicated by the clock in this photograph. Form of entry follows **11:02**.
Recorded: **10:16**
